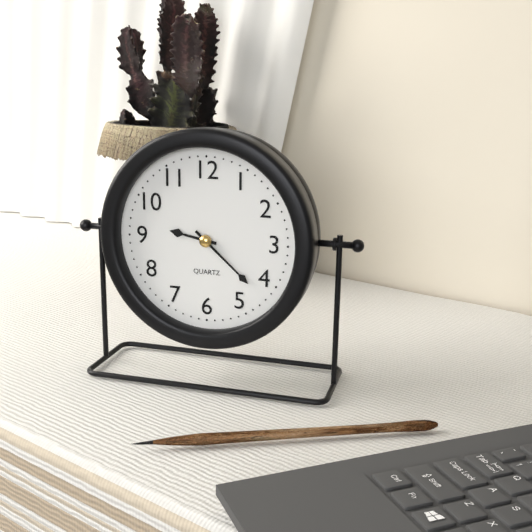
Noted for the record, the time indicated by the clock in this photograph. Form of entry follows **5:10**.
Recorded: **9:22**
